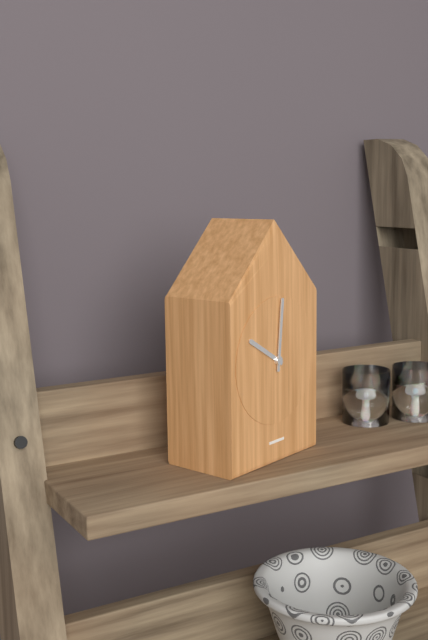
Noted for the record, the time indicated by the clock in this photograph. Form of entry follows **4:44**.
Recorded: **10:01**
